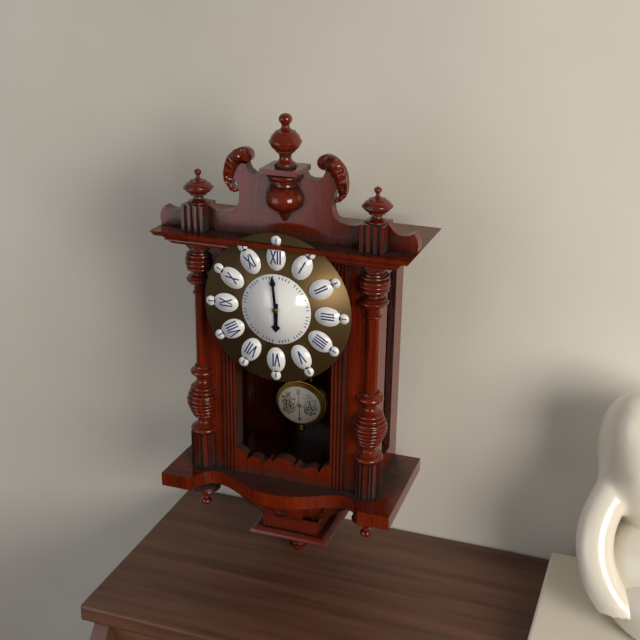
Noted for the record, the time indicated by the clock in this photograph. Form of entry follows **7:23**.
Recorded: **5:59**
